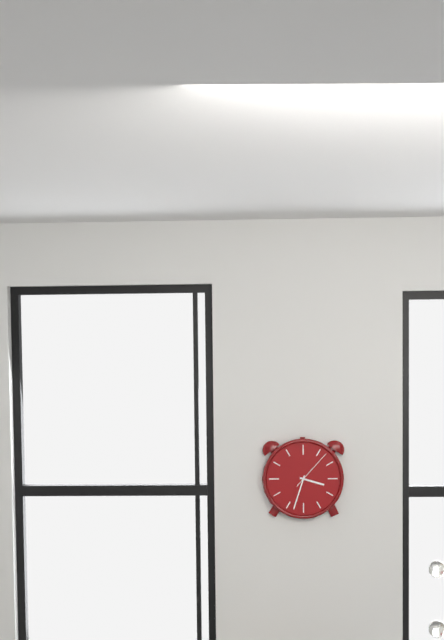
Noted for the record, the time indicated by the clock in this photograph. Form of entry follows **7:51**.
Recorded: **3:33**
